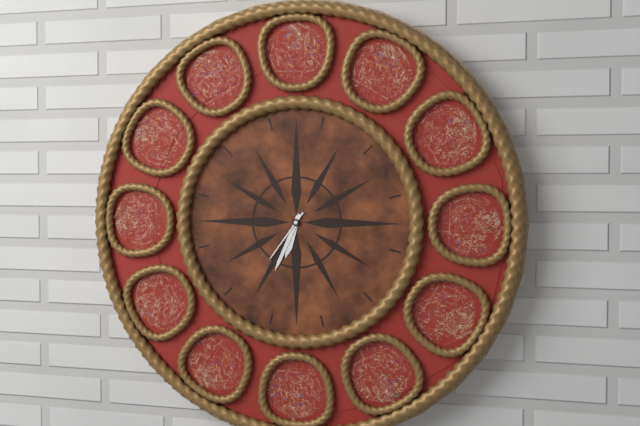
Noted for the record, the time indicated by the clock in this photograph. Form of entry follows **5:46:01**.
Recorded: **6:34:36**
